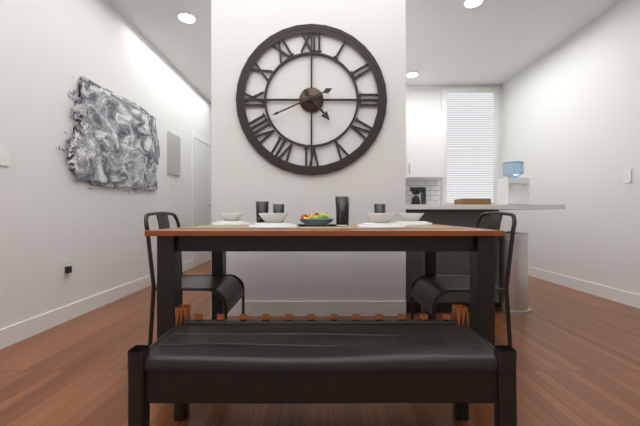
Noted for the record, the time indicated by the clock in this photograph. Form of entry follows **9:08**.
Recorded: **4:41**
